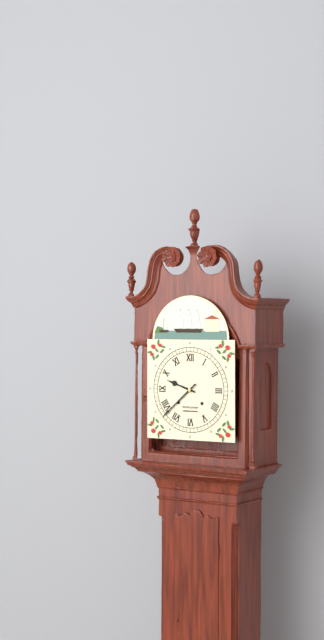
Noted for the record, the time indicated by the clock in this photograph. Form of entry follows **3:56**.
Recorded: **9:38**
